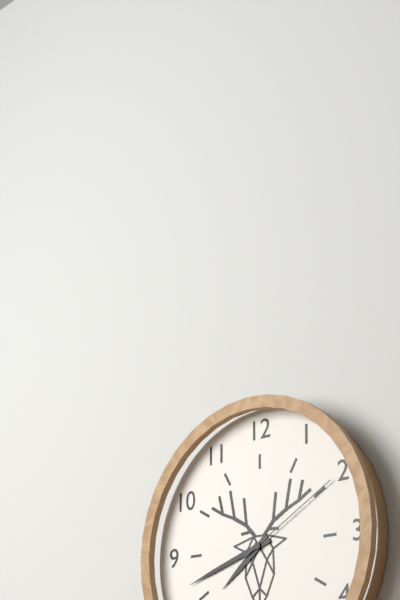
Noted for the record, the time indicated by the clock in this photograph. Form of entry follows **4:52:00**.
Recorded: **7:42:10**
